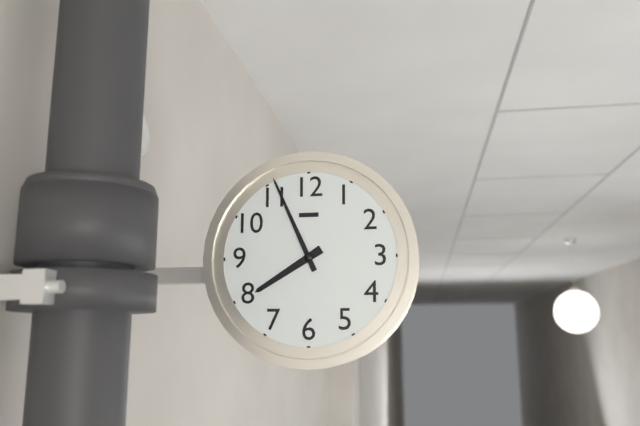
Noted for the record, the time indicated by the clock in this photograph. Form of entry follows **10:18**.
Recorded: **7:56**
